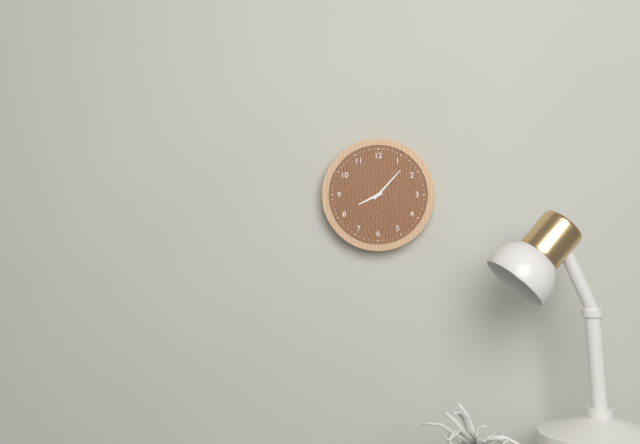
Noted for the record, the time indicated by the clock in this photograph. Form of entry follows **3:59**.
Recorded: **8:07**
